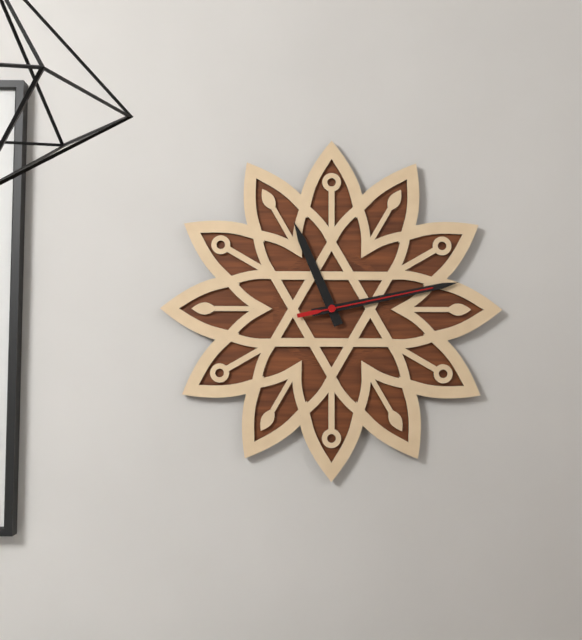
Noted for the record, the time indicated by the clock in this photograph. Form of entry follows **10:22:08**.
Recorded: **11:13:13**
